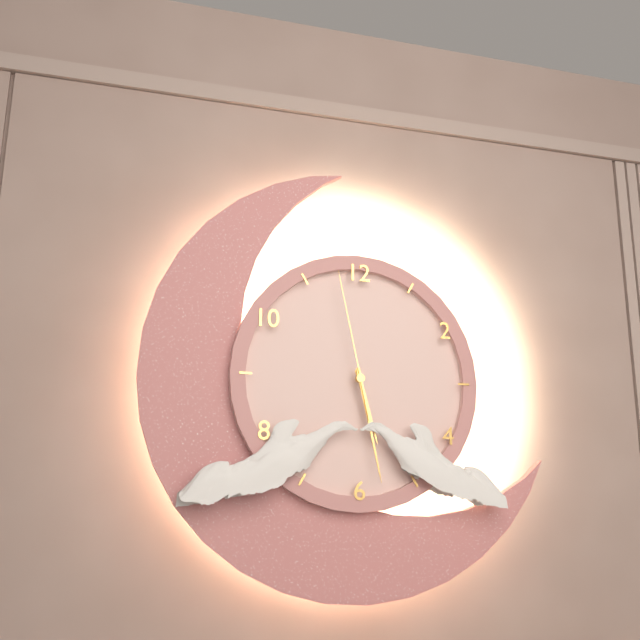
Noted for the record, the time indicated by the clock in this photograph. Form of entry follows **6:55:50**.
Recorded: **5:28:58**
